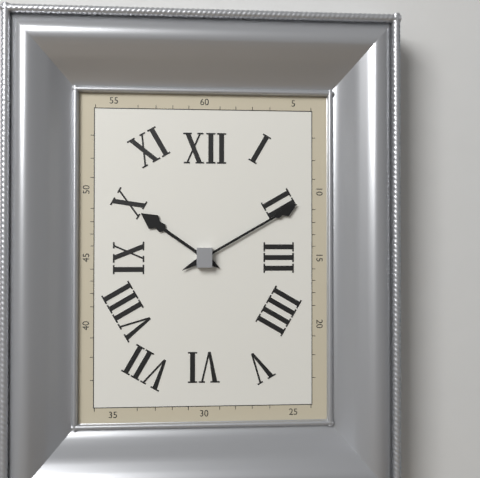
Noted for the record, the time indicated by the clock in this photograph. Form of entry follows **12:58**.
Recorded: **10:10**
